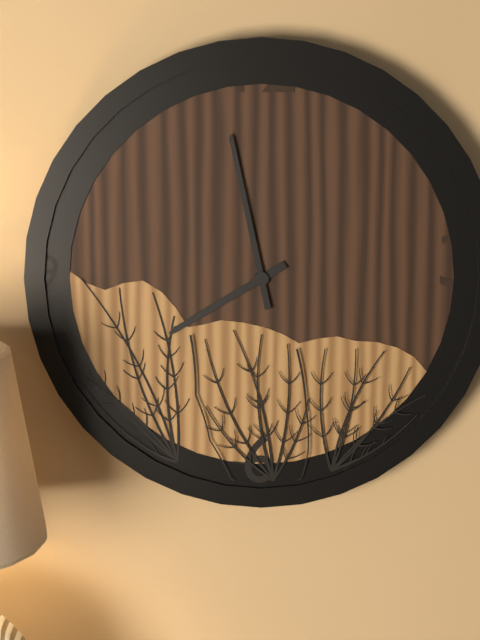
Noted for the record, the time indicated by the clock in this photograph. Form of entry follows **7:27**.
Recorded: **7:58**
